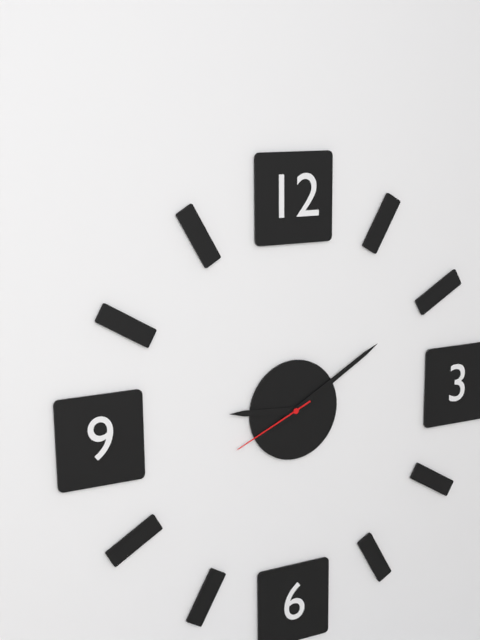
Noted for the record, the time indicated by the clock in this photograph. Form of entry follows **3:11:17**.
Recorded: **9:10:41**
